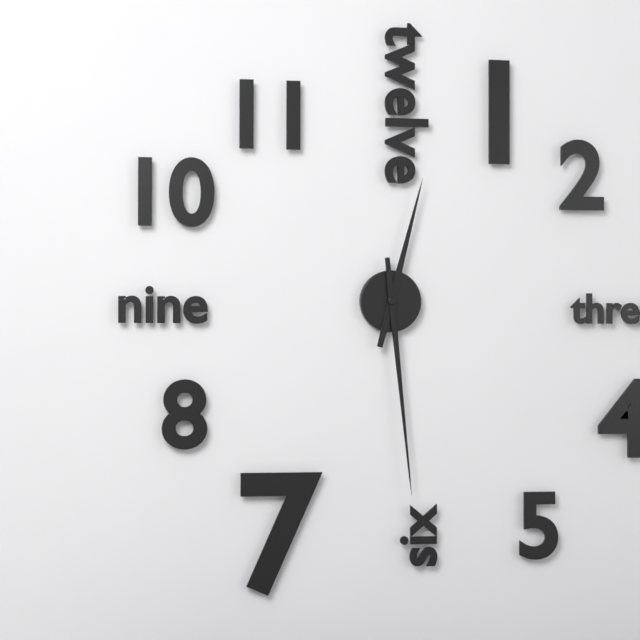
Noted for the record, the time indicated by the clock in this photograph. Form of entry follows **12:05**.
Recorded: **12:29**
